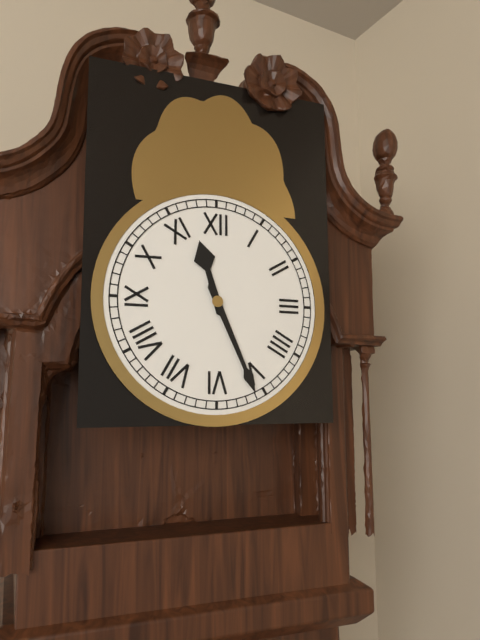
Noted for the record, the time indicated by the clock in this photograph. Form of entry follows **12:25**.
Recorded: **11:26**
